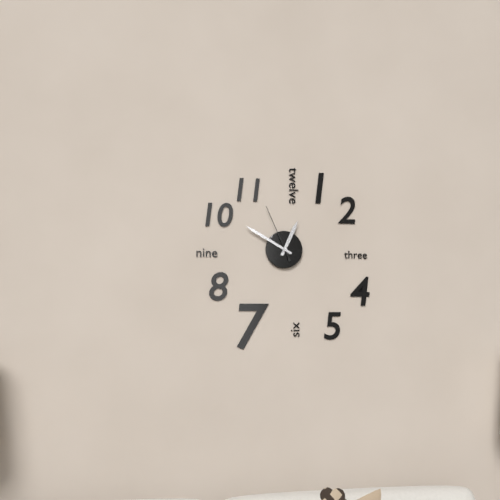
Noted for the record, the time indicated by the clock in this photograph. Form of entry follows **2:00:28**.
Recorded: **12:50:56**
